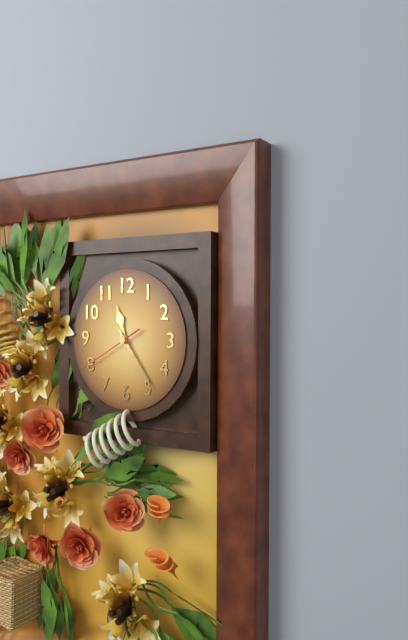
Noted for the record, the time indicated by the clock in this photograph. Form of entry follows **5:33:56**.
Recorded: **11:24:40**
